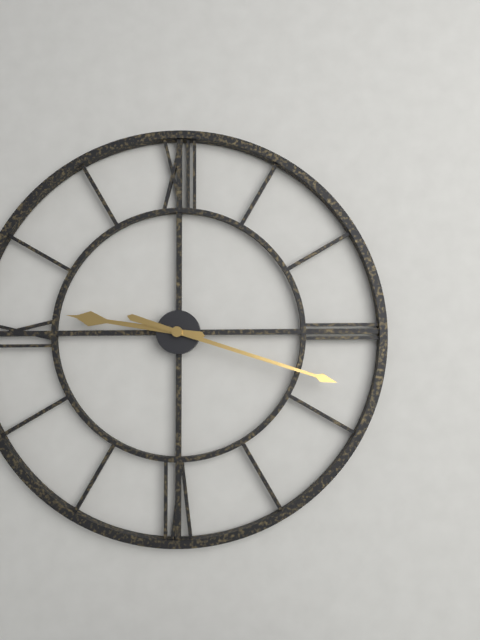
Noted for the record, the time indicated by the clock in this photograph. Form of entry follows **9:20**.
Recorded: **9:18**
